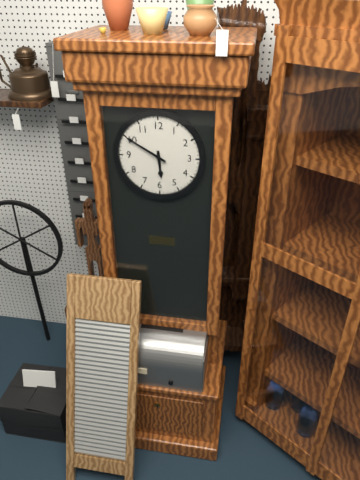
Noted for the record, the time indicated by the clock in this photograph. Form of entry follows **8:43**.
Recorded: **5:50**
